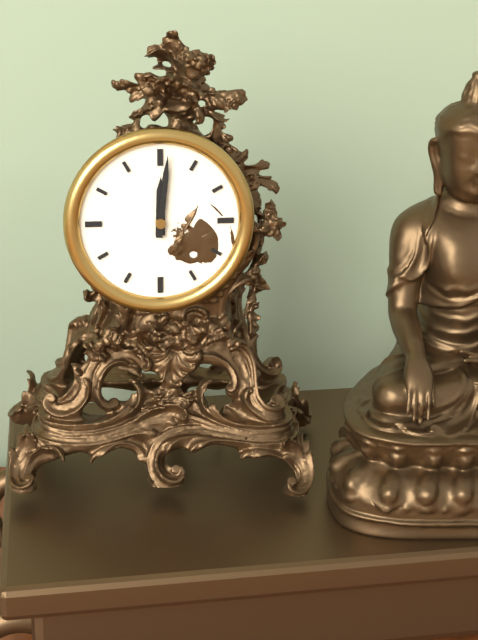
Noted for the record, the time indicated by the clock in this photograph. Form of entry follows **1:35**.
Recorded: **12:01**
